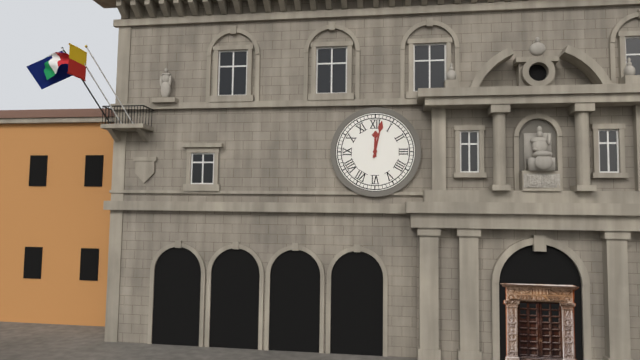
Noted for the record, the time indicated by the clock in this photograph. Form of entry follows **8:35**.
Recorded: **12:02**
